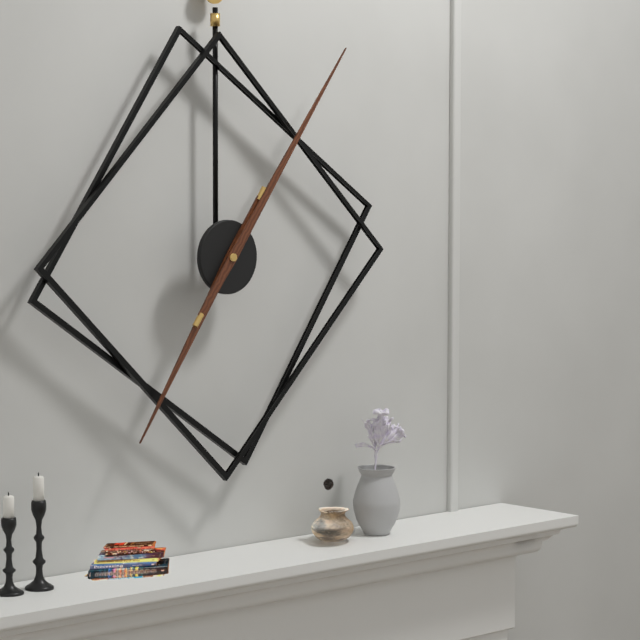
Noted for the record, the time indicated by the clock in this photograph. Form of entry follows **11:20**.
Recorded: **7:06**
